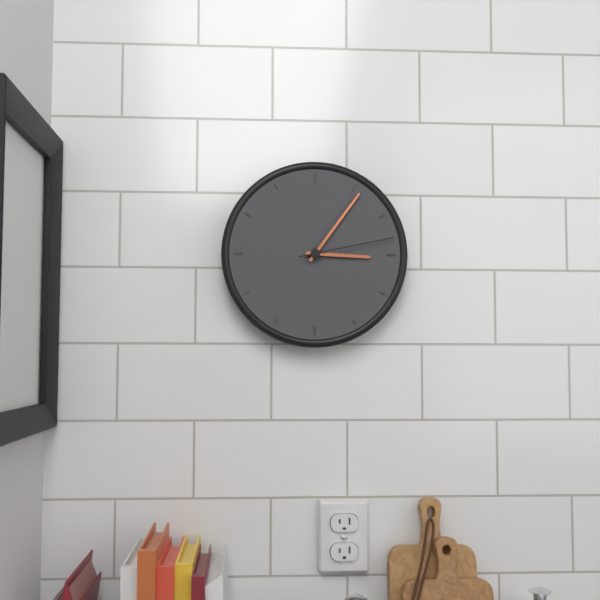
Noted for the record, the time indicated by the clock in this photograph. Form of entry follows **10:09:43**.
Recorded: **3:06:13**
